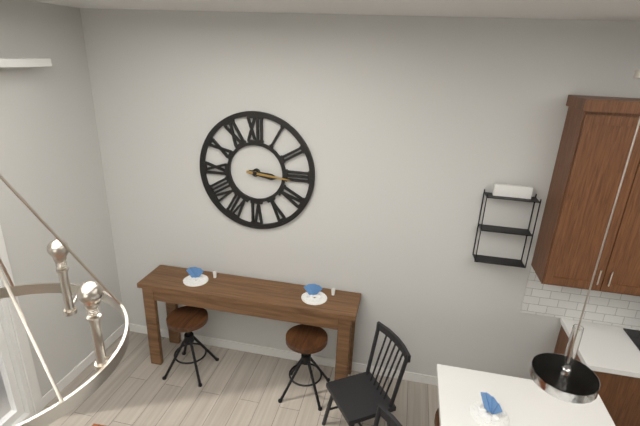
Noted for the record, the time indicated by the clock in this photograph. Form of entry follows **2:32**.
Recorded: **3:16**
